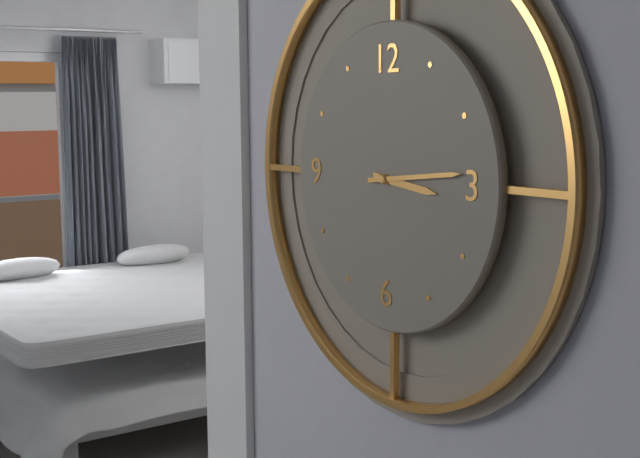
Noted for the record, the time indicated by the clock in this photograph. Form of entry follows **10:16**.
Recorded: **3:14**
